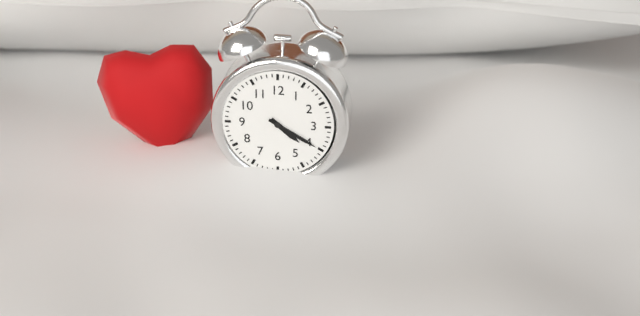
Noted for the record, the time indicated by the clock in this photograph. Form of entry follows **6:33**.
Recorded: **4:20**
